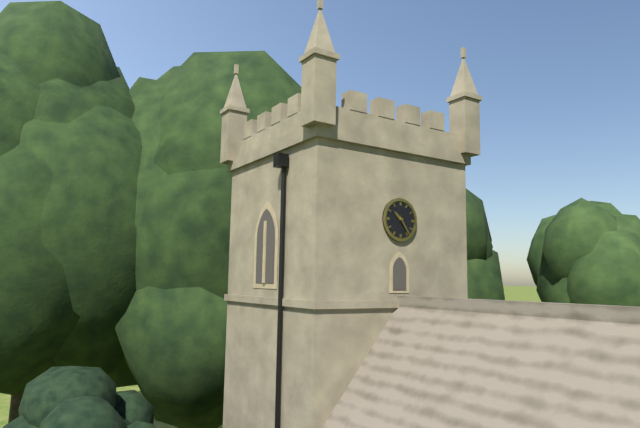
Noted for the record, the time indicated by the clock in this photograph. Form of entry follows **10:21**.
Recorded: **10:24**
